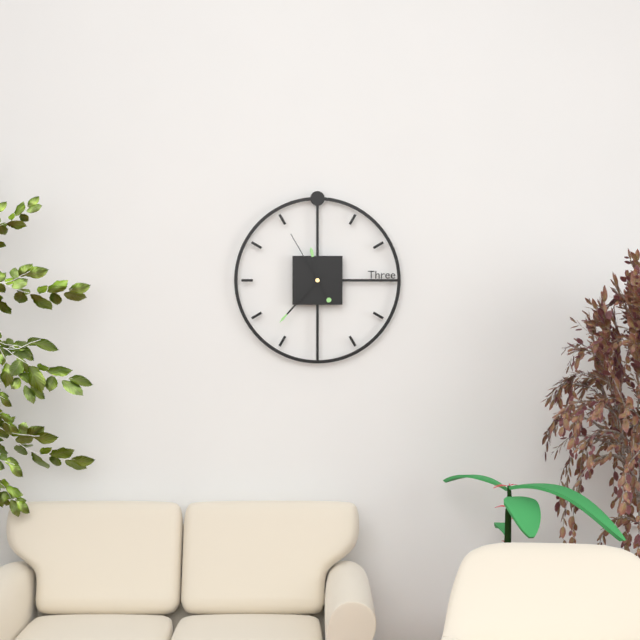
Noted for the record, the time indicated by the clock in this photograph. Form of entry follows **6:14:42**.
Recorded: **11:37:55**
